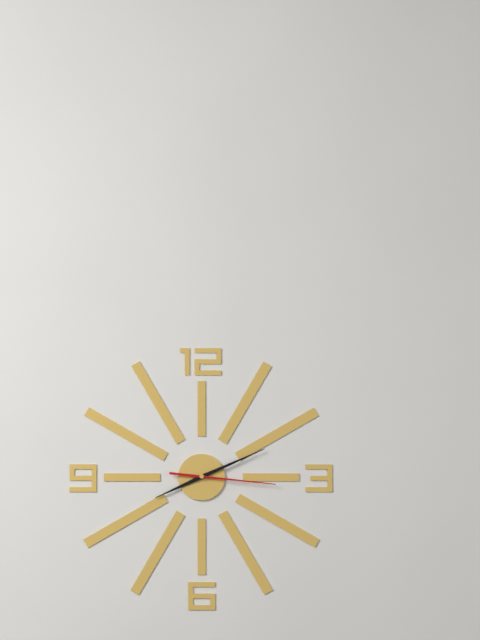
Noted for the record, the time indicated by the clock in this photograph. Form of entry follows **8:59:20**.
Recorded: **8:11:16**
